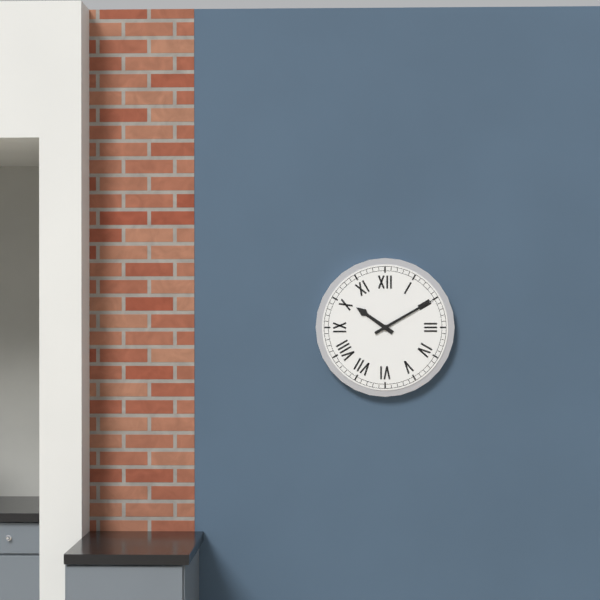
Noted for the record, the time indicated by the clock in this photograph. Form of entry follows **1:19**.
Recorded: **10:10**
